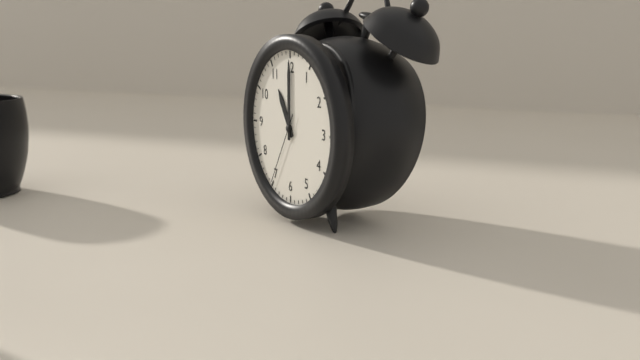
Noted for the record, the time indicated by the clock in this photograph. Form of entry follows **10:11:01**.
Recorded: **11:00:35**
